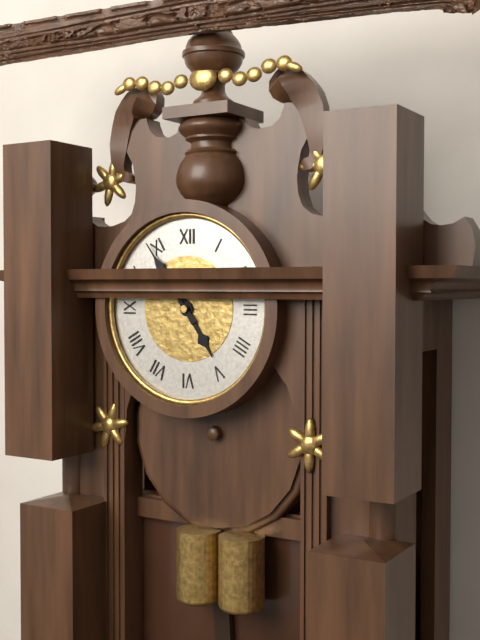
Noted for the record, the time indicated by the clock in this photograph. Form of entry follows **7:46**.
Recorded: **4:54**
